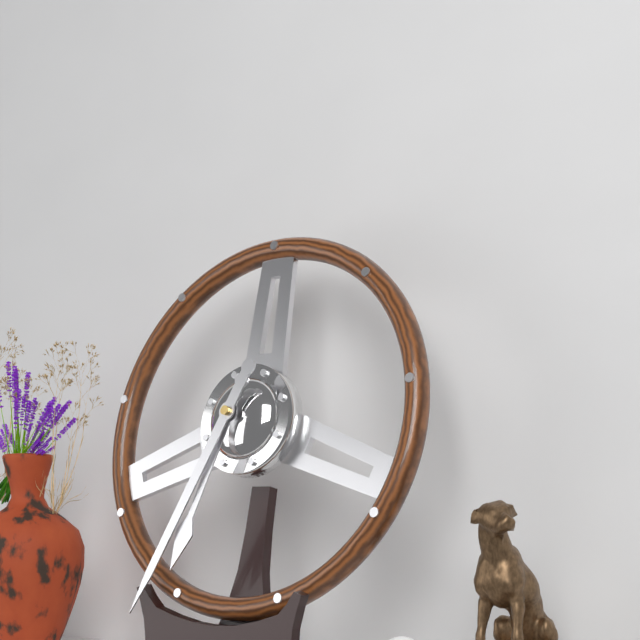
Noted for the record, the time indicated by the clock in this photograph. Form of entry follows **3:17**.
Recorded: **6:34**
